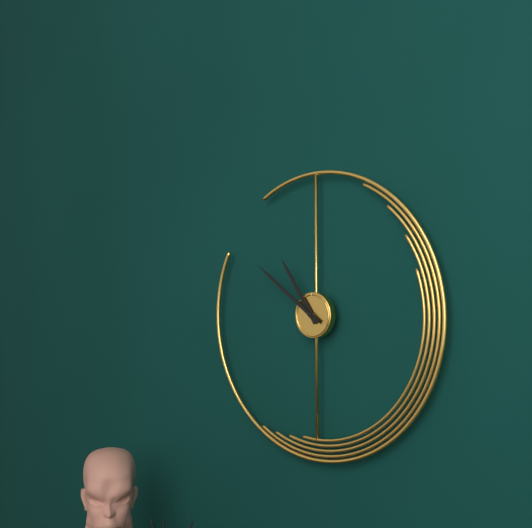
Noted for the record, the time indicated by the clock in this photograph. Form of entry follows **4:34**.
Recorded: **10:51**
